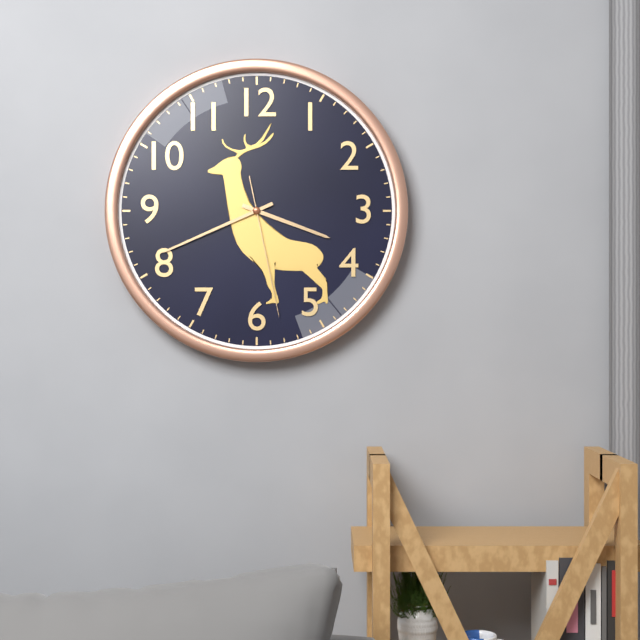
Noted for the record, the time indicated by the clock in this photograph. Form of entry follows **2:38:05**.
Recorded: **3:41:28**
